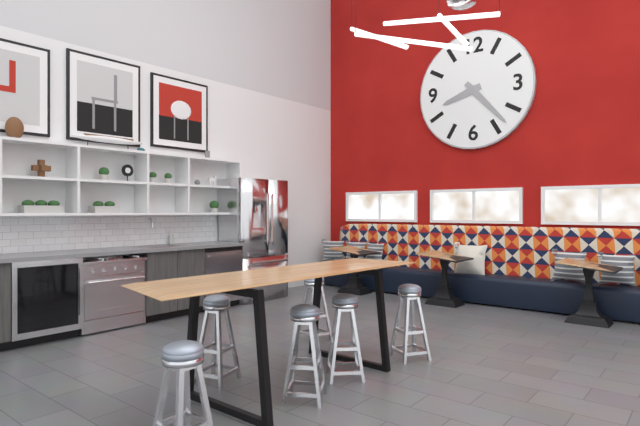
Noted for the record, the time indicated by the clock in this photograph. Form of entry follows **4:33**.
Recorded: **8:23**
